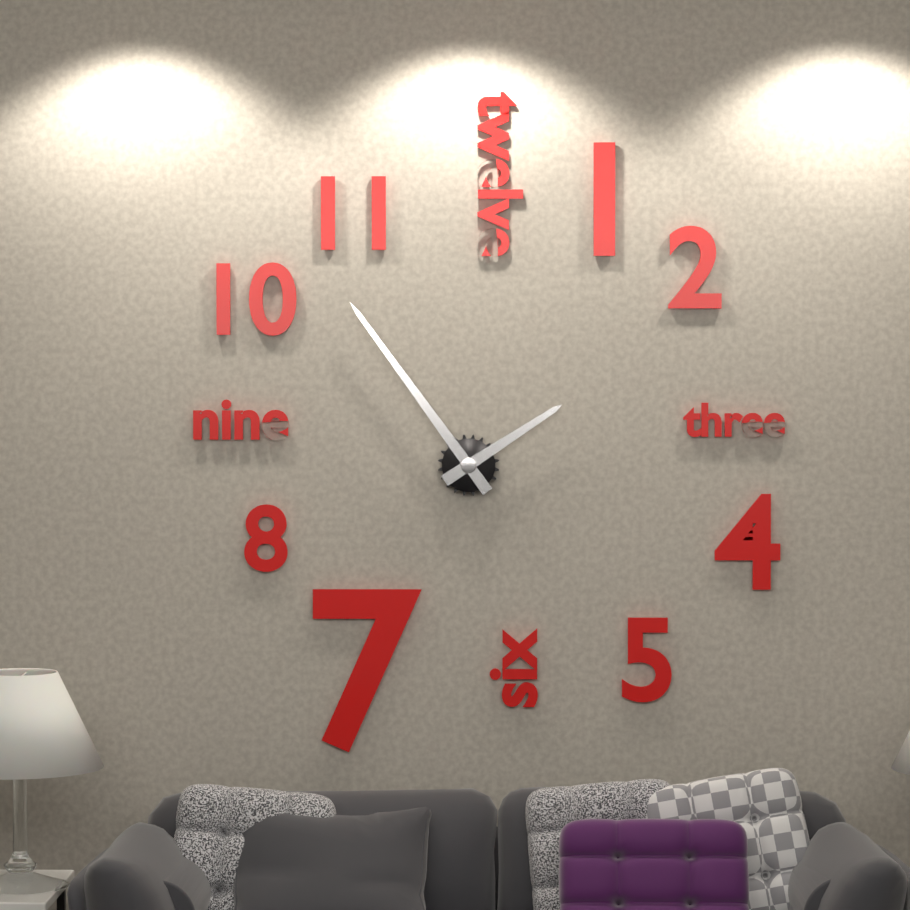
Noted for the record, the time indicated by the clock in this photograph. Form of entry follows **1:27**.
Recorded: **1:54**
